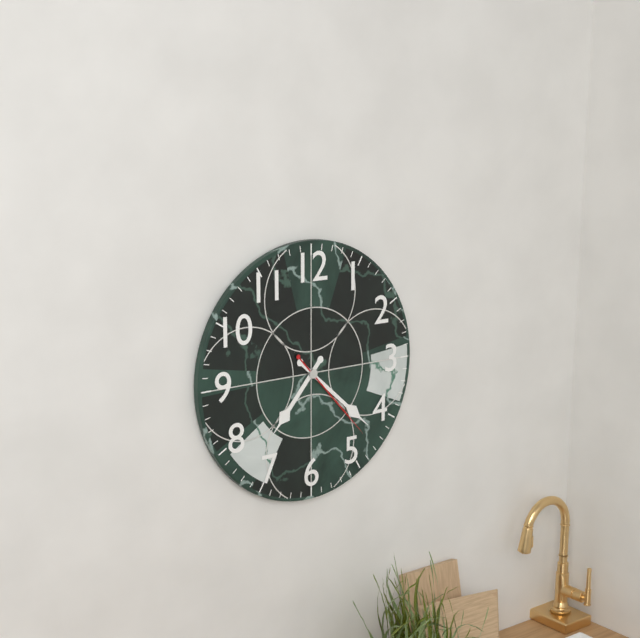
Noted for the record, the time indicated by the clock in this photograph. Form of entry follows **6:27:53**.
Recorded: **7:22:23**
